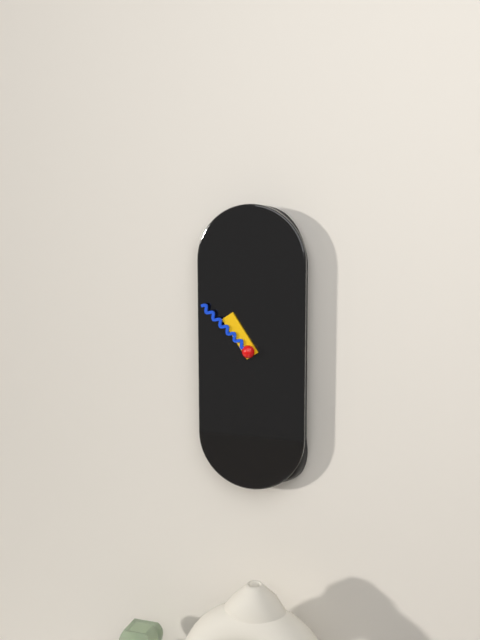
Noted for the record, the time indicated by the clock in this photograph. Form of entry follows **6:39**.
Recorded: **10:52**
